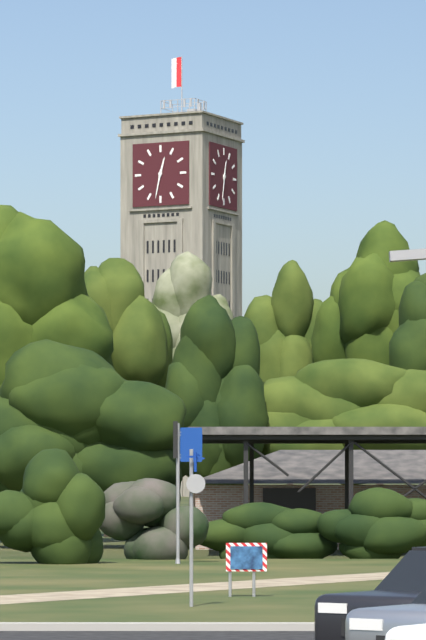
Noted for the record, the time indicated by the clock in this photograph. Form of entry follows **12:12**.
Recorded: **12:32**
